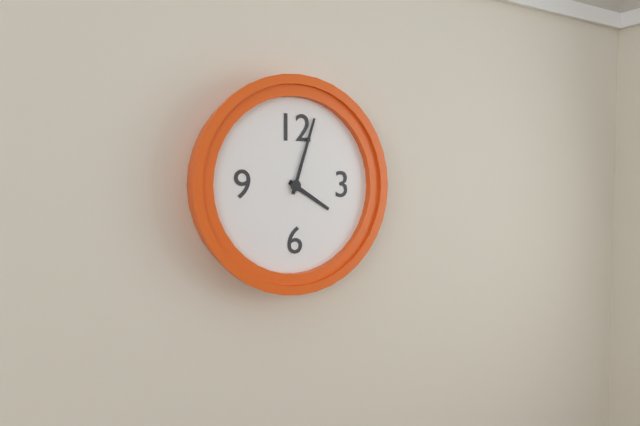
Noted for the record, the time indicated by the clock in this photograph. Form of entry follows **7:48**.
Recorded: **4:03**
